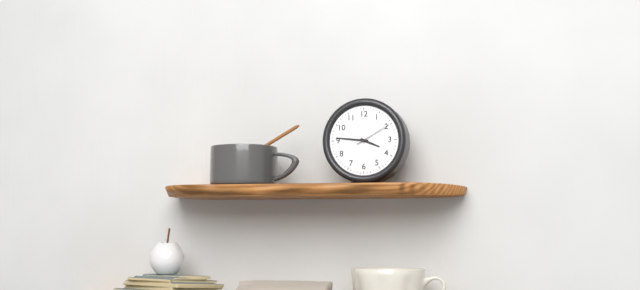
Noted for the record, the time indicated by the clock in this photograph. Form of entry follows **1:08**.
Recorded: **3:46**
